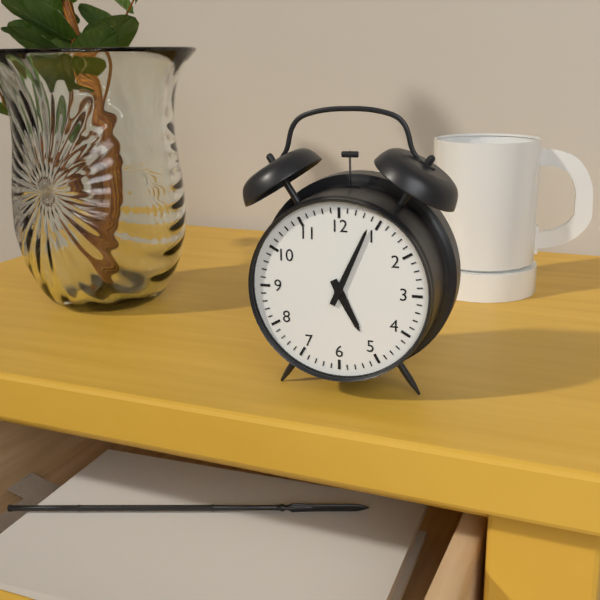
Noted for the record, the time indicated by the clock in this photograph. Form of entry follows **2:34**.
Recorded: **5:04**
